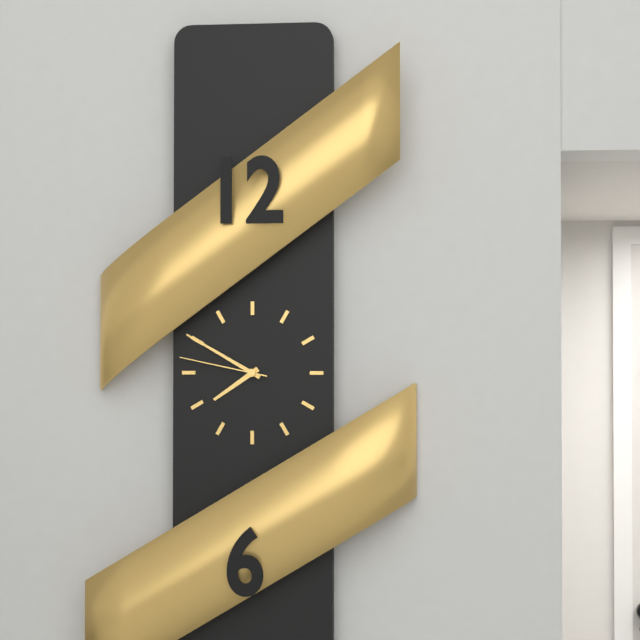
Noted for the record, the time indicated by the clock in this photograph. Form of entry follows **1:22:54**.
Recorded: **7:50:47**
